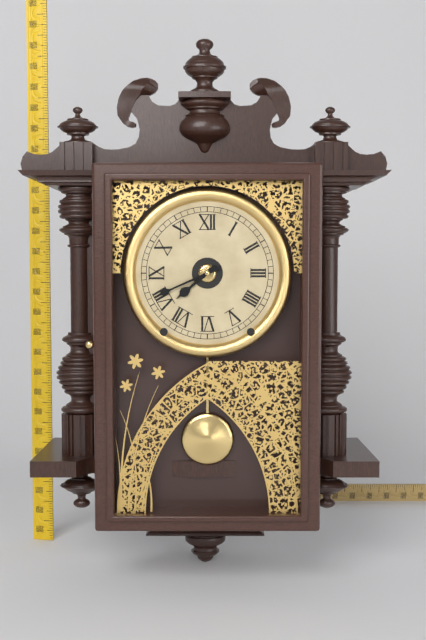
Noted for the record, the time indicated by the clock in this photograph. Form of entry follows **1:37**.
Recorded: **7:41**
